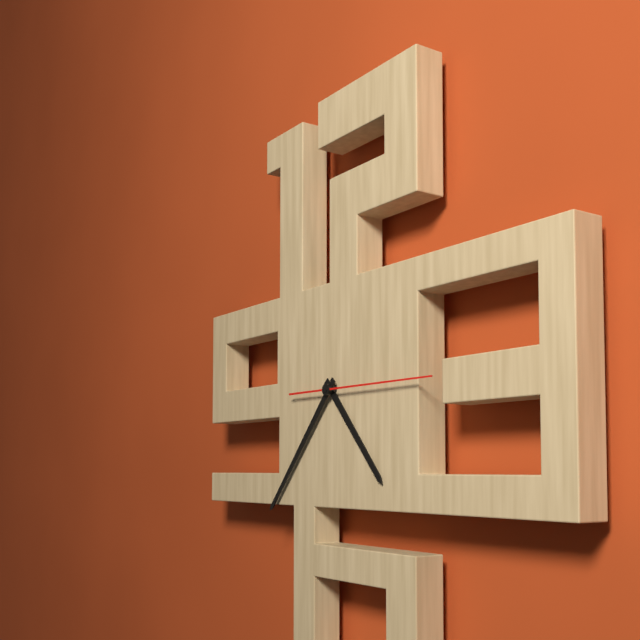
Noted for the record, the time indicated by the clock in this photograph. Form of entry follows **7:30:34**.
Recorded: **4:37:15**
